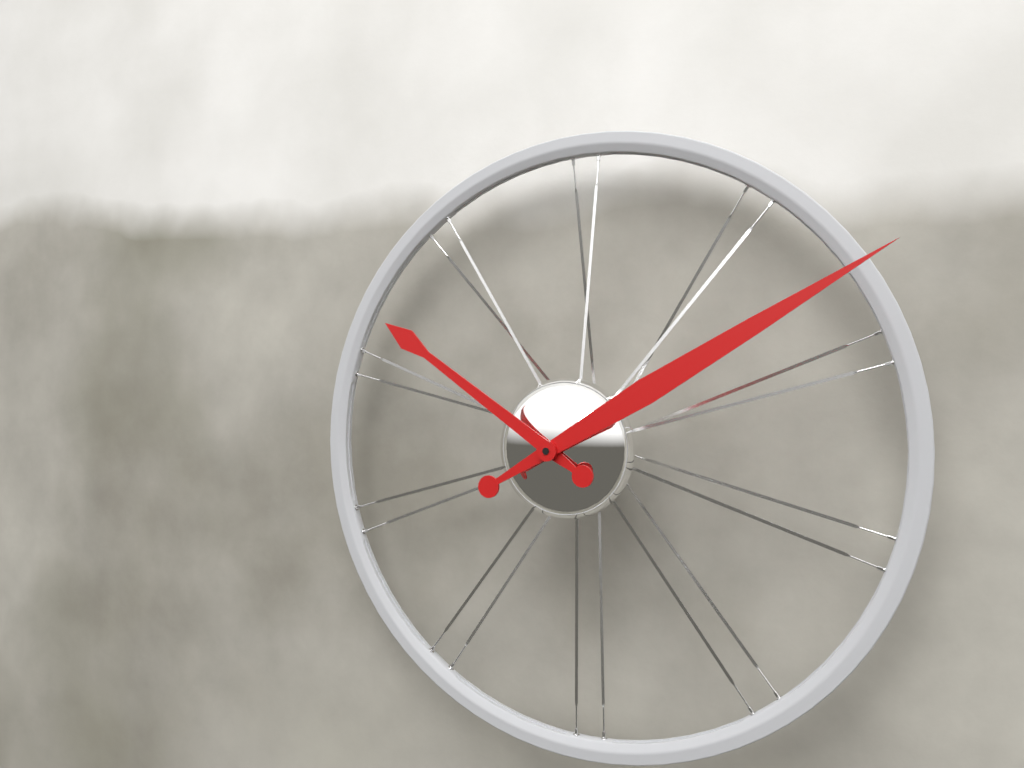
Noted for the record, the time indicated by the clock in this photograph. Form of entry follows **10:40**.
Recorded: **10:10**
